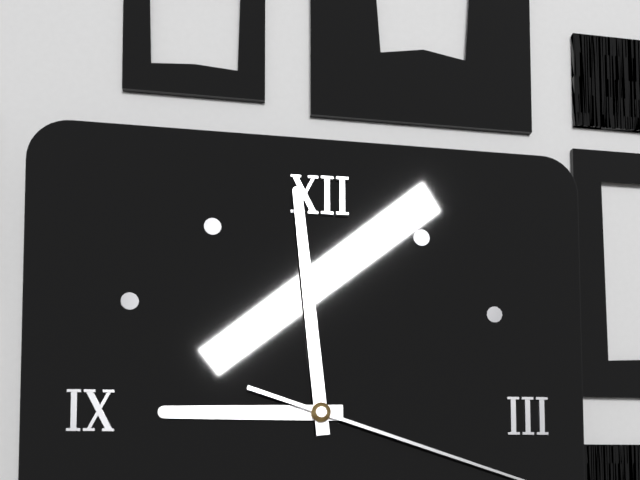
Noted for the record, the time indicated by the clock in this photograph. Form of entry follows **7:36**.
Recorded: **8:59**
